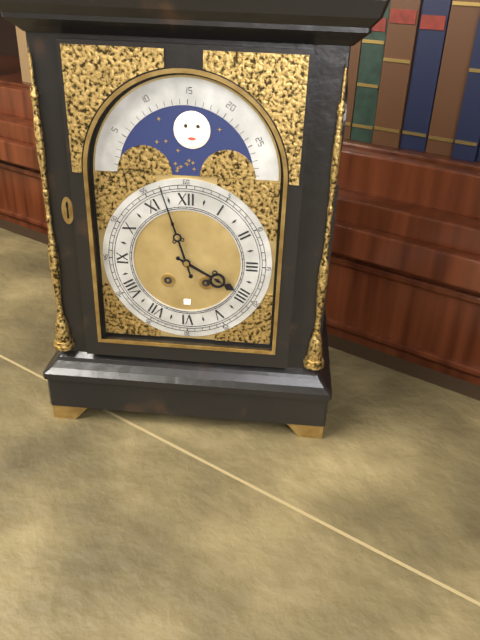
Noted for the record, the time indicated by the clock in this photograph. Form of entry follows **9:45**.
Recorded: **3:57**
